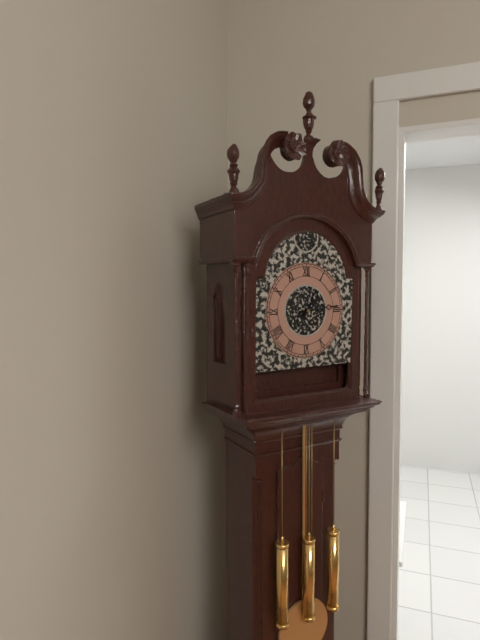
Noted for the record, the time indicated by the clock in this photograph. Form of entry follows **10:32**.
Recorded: **1:14**
